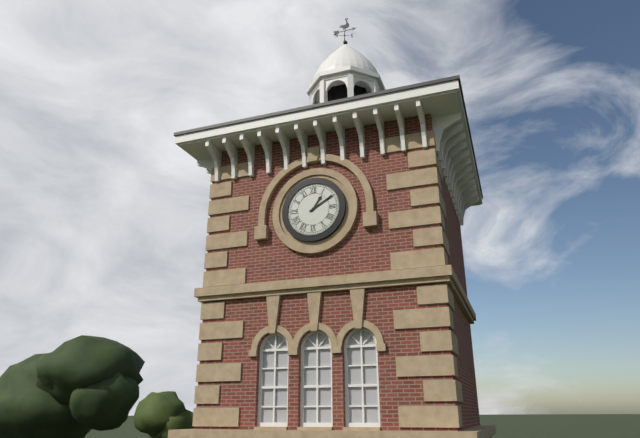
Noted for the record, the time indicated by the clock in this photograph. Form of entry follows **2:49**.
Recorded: **1:10**
